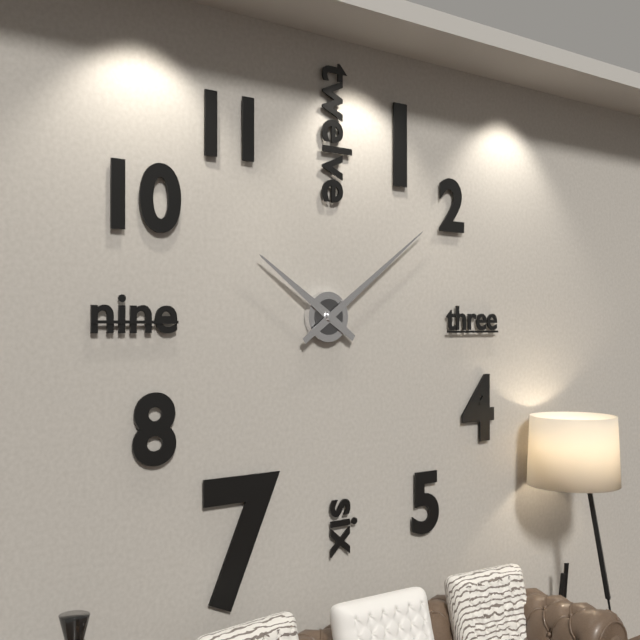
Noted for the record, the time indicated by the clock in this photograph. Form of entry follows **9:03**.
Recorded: **10:09**
